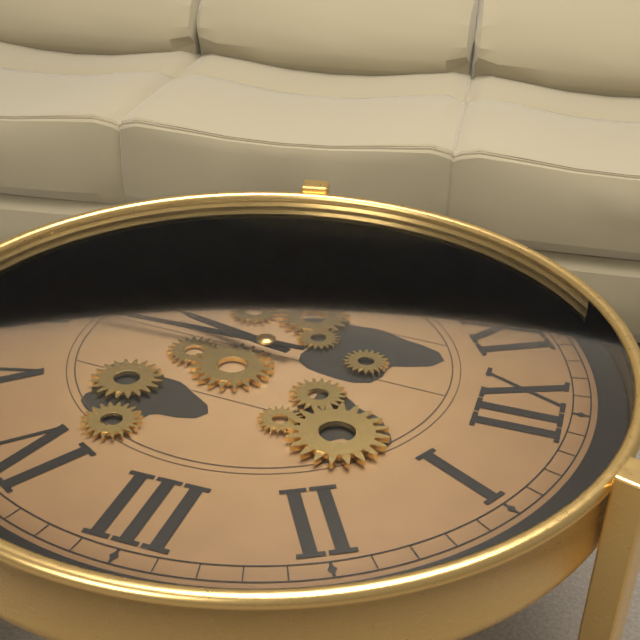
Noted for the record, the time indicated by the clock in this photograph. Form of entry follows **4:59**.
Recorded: **6:30**
